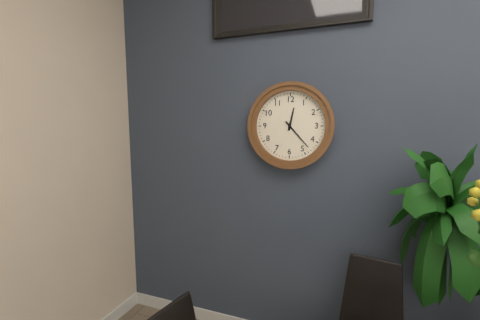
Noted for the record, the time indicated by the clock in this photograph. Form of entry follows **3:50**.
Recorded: **12:23**
